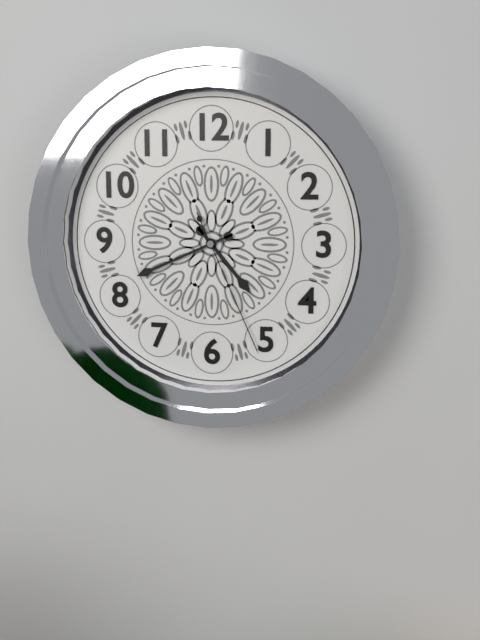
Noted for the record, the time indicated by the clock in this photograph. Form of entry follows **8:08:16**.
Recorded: **4:41:26**
